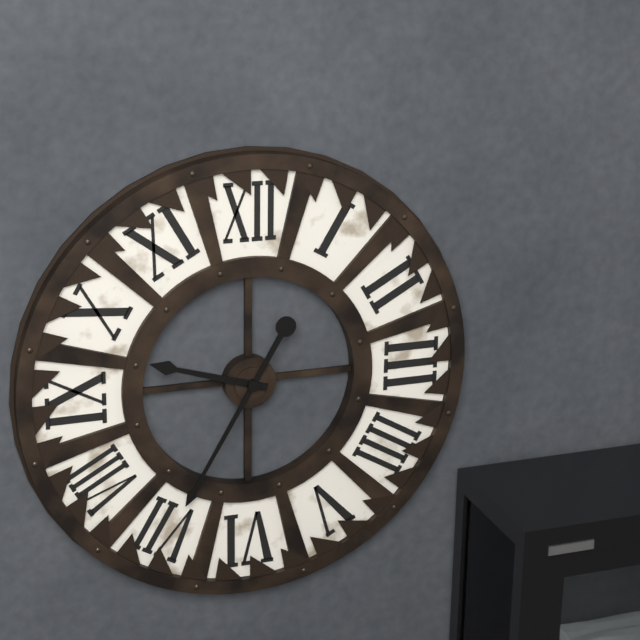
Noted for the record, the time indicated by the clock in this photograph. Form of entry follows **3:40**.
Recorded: **9:35**
